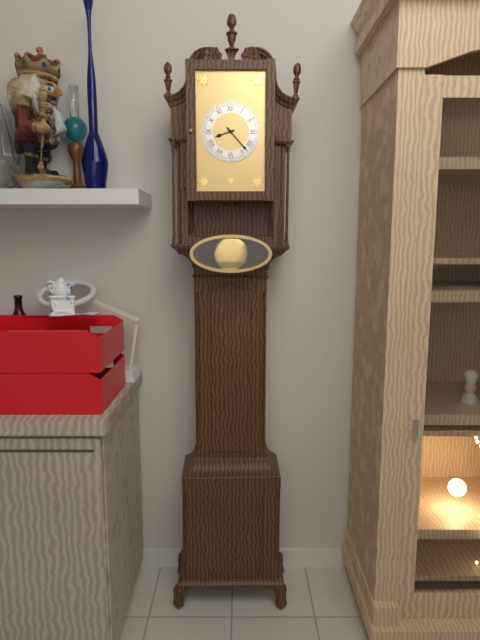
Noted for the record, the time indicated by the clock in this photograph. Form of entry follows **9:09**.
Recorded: **8:23**
